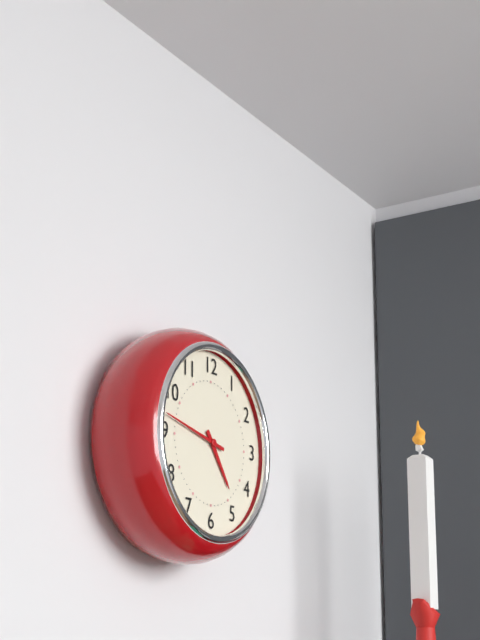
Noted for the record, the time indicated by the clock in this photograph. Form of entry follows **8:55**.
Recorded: **4:47**
